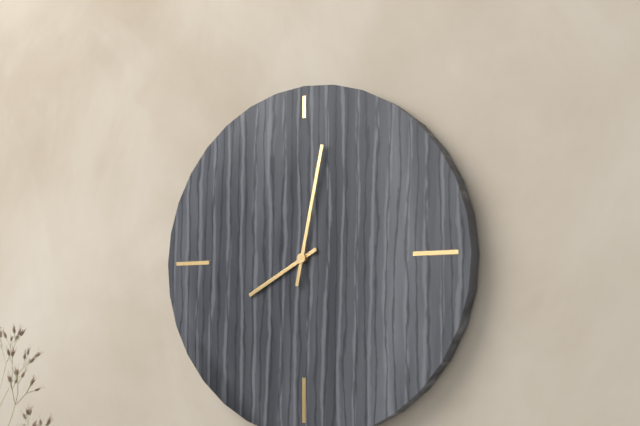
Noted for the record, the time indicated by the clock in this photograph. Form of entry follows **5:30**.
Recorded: **8:02**
